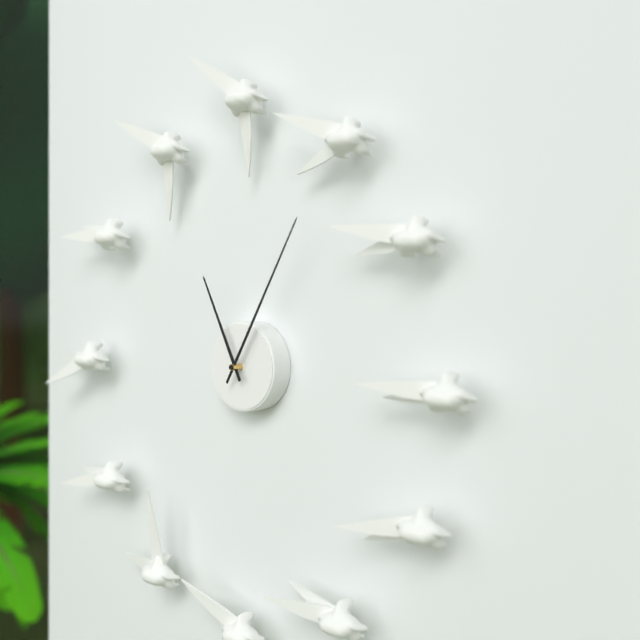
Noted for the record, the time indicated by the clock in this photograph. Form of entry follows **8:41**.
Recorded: **11:05**
